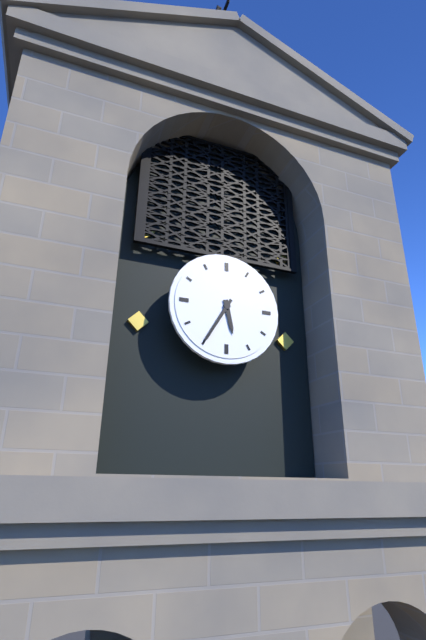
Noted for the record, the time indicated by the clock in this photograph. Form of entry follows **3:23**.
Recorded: **5:35**
